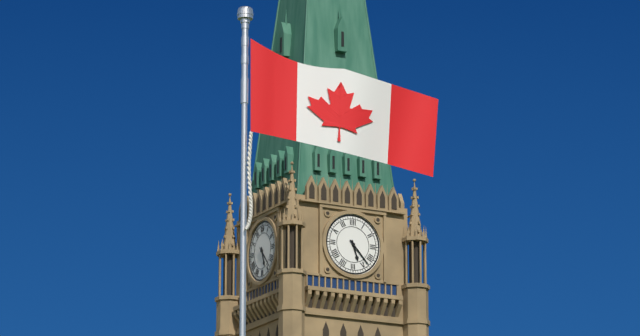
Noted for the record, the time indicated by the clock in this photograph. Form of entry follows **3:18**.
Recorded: **5:23**
